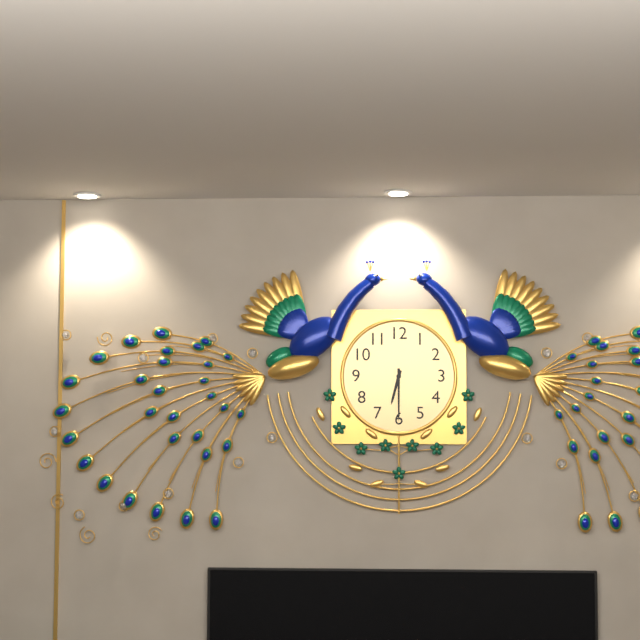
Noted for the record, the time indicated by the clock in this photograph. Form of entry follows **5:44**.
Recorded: **6:30**
